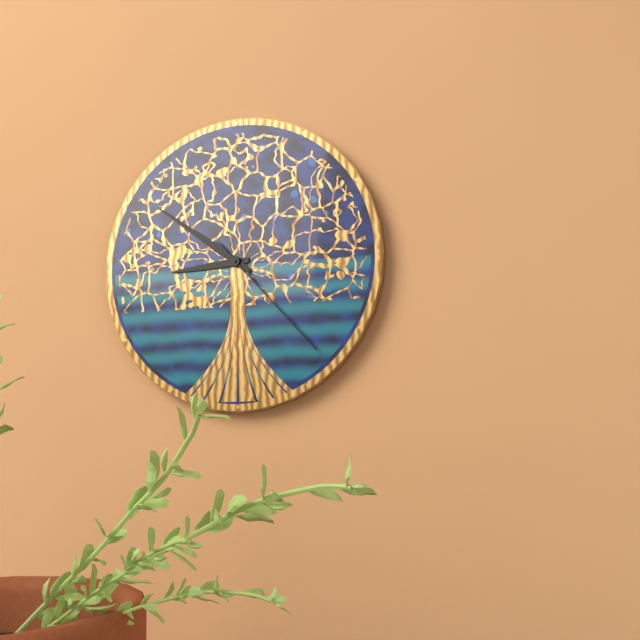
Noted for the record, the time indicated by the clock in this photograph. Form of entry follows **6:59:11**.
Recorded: **8:51:23**
